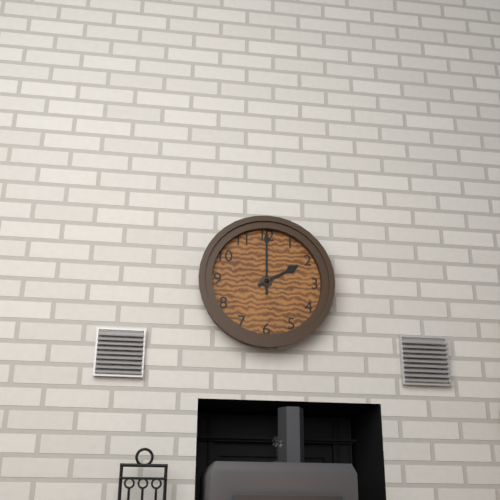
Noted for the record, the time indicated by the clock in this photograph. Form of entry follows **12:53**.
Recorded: **2:00**
